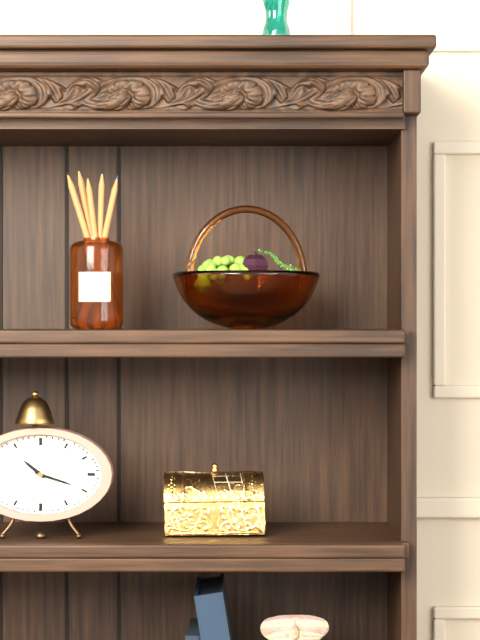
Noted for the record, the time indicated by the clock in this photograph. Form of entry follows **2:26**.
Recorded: **10:18**
